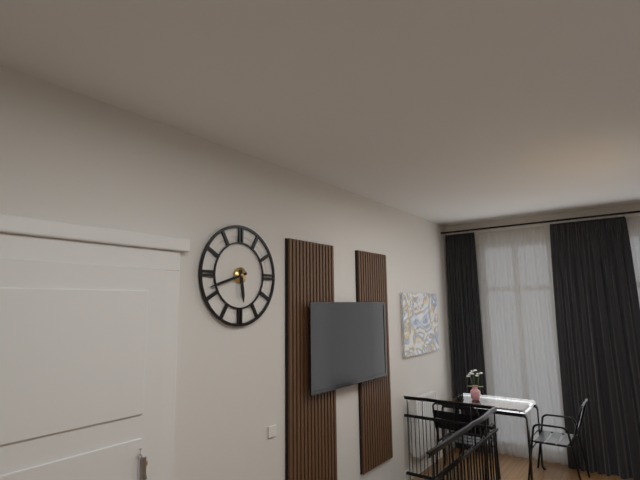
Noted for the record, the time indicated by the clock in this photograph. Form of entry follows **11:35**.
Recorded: **5:42**
